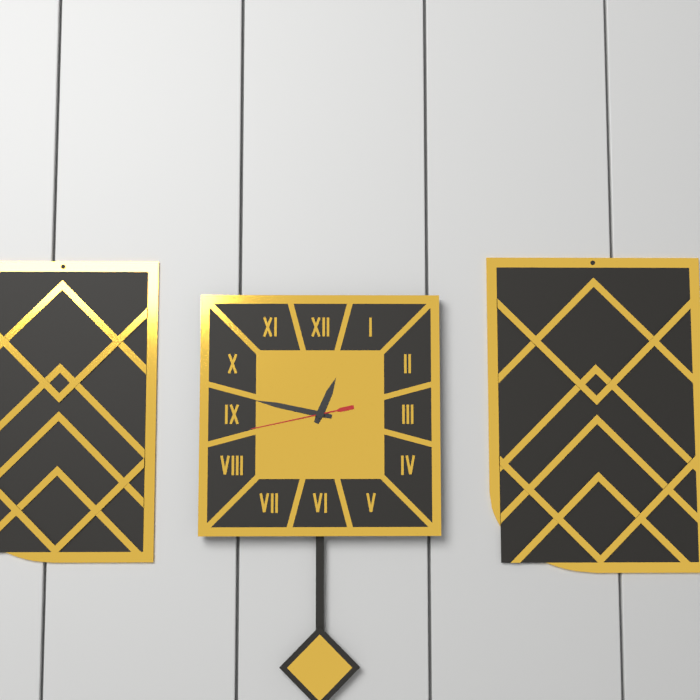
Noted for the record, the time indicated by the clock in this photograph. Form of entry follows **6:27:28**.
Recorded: **12:47:43**
